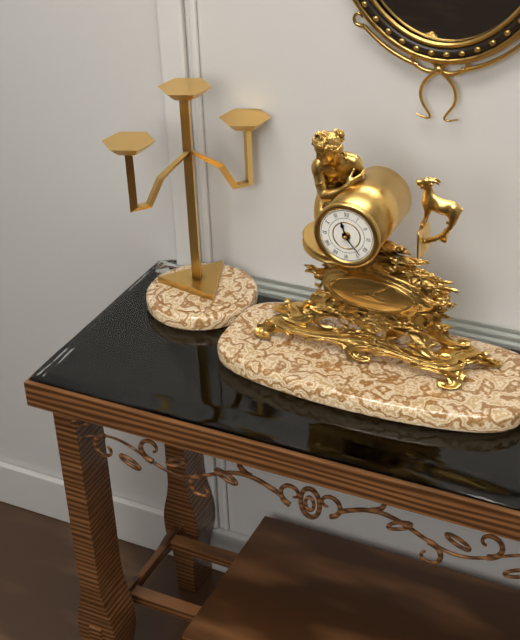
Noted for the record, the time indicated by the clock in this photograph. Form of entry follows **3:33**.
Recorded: **11:23**
